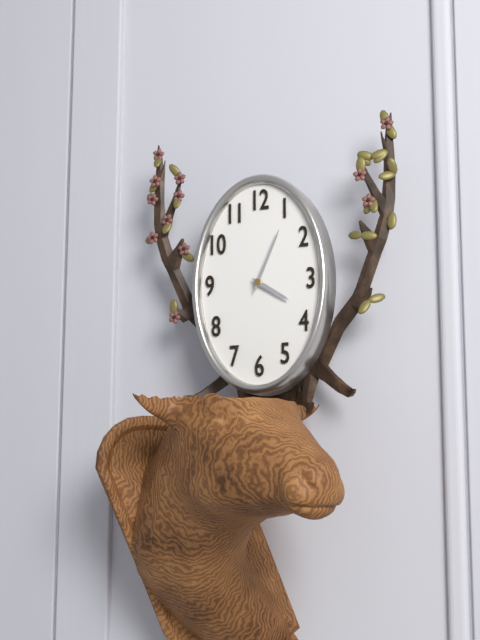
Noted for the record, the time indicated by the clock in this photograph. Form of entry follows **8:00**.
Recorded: **4:04**
